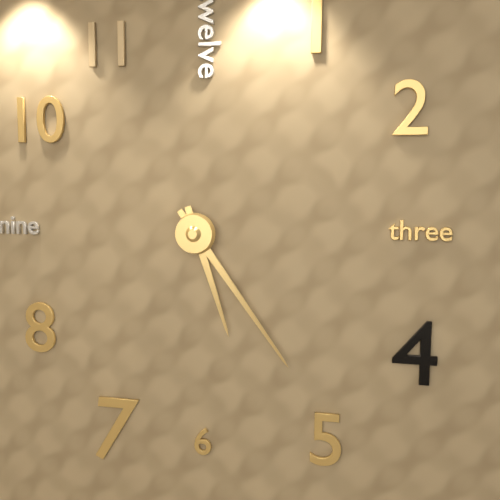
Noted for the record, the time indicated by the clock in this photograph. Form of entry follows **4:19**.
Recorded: **5:24**
